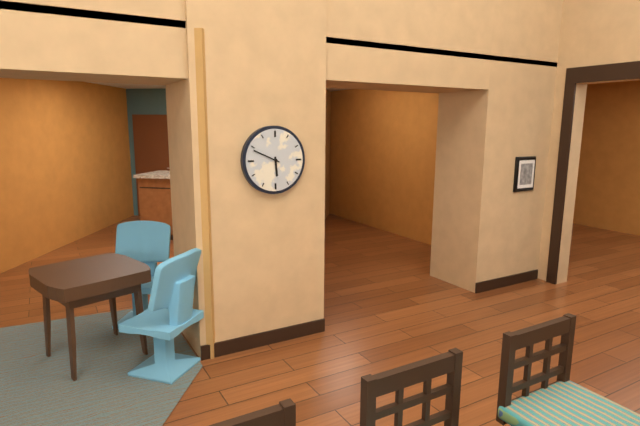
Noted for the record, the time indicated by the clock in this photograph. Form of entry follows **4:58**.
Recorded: **5:49**
